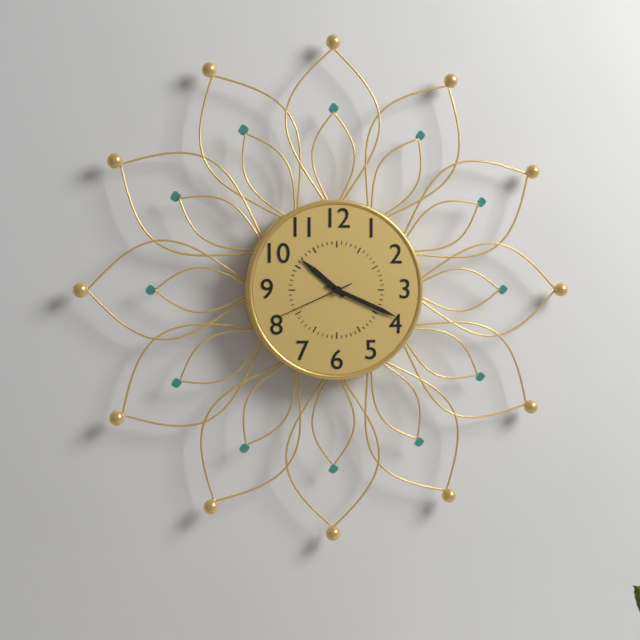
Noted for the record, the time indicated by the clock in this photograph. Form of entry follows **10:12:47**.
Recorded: **10:19:41**
